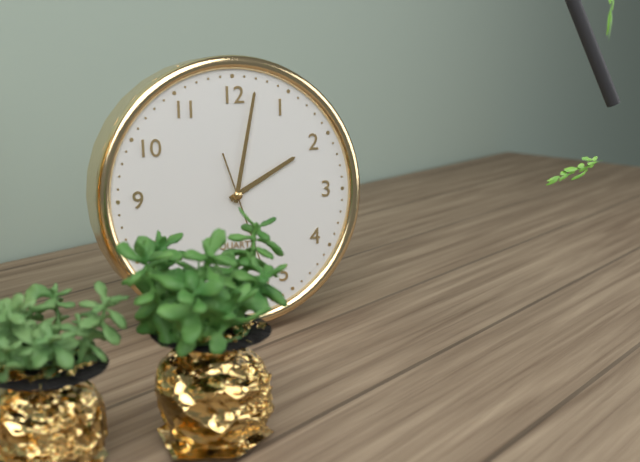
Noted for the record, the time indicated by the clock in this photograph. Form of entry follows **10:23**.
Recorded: **2:02**
